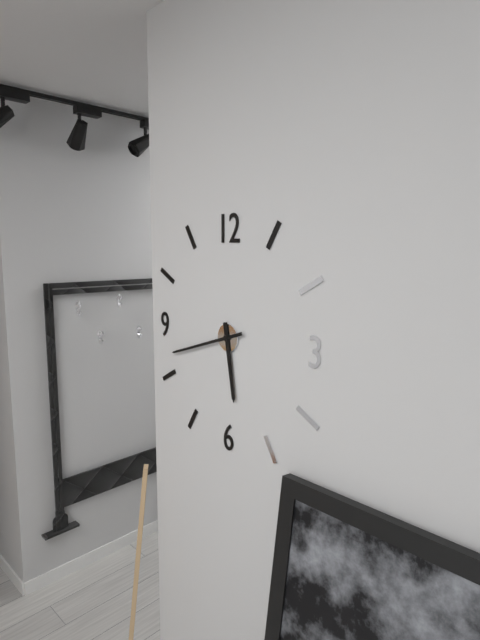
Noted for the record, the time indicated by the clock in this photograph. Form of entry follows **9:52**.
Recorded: **5:42**
